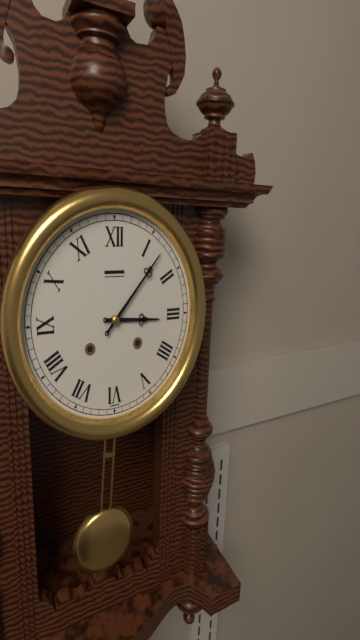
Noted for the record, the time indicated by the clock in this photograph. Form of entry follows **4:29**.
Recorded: **3:07**
